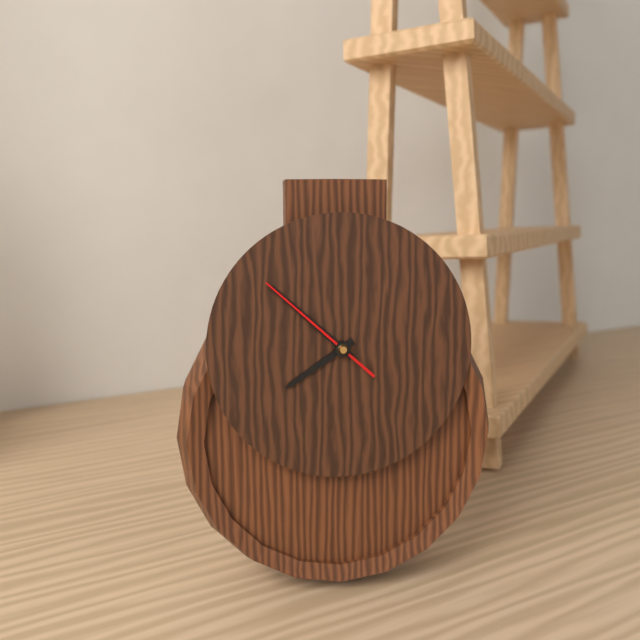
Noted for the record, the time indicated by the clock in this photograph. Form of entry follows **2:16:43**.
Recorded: **7:52:52**
